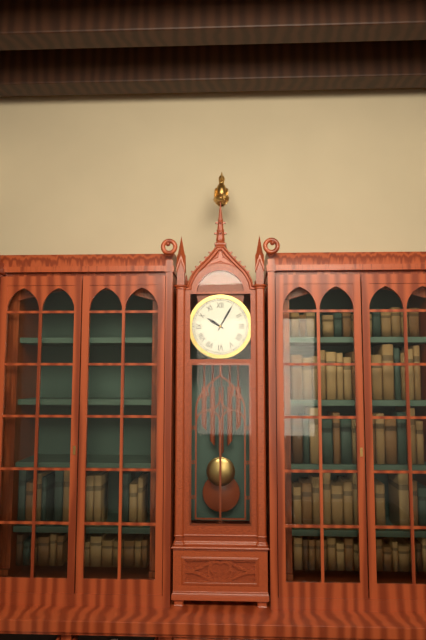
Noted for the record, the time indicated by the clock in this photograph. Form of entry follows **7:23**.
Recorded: **10:05**
